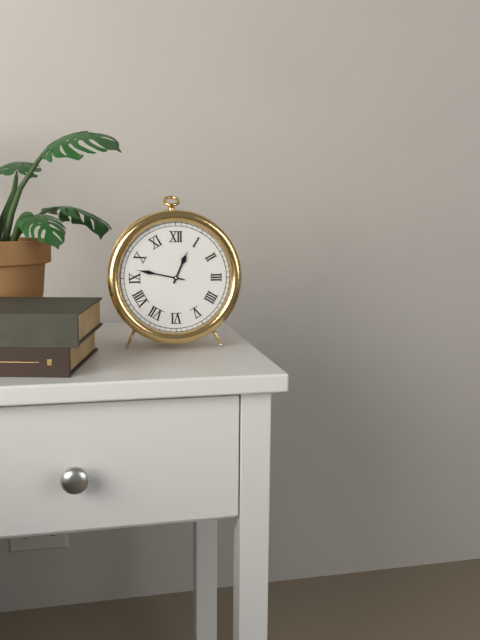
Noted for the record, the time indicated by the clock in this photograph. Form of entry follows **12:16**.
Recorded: **12:47**
